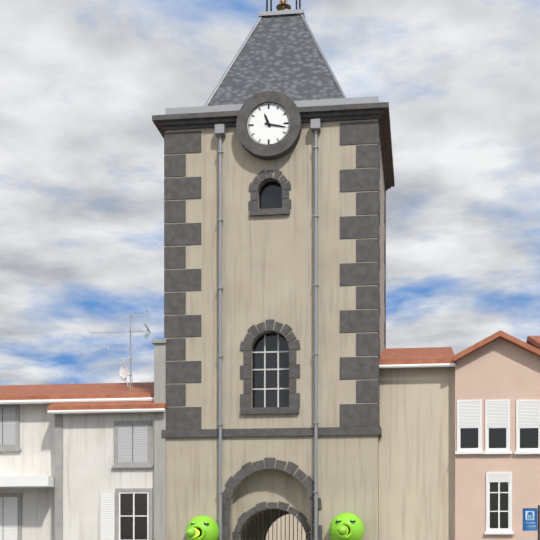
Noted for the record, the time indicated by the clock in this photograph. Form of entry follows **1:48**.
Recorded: **11:17**
